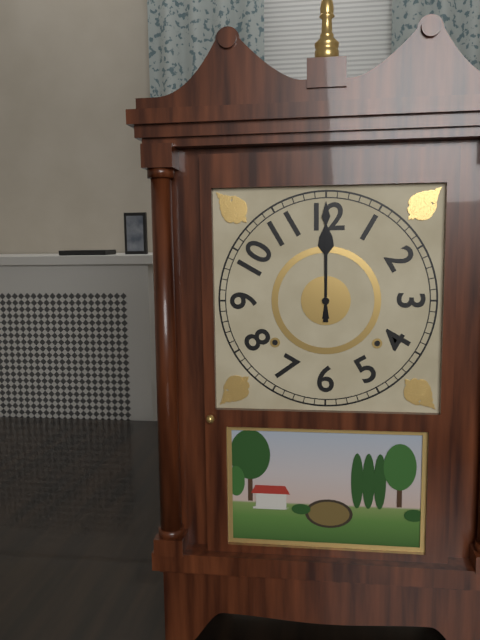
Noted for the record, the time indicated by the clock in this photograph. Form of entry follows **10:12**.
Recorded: **12:00**
